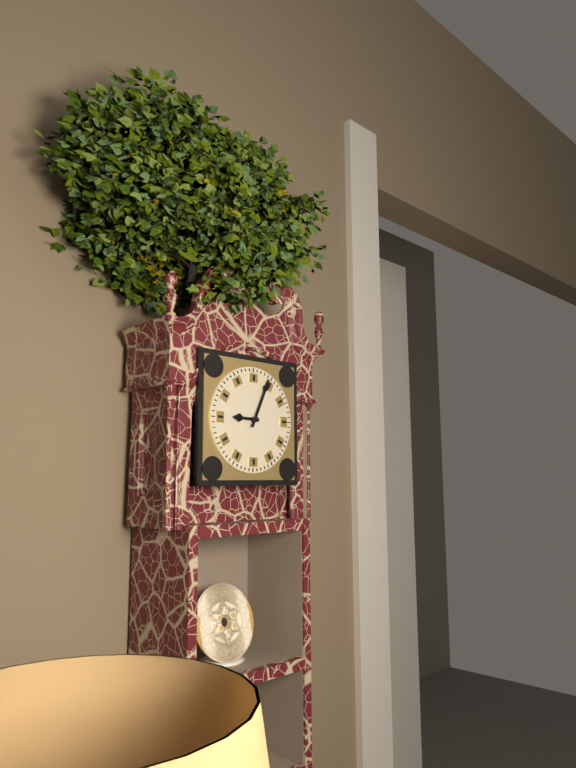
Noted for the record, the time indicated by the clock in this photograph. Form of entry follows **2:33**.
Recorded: **9:04**
